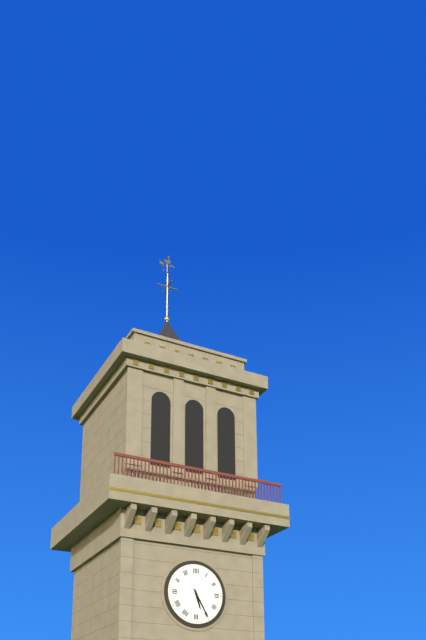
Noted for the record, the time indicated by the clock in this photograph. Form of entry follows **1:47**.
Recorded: **5:25**
